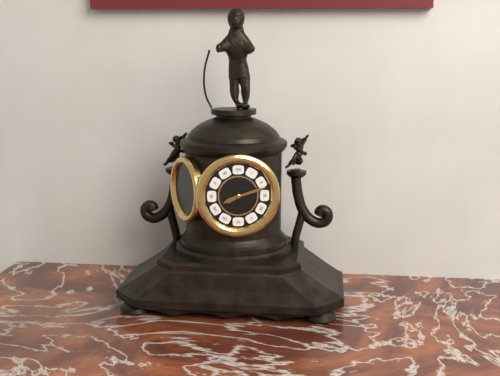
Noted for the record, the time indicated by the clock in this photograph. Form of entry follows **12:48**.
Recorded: **8:12**
